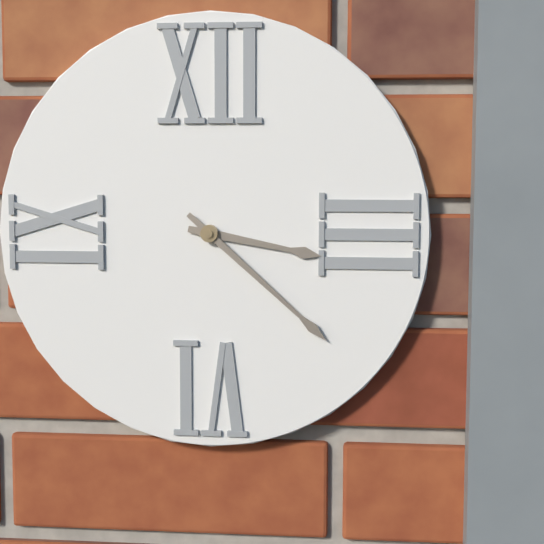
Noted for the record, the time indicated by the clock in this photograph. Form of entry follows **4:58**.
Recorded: **3:22**
